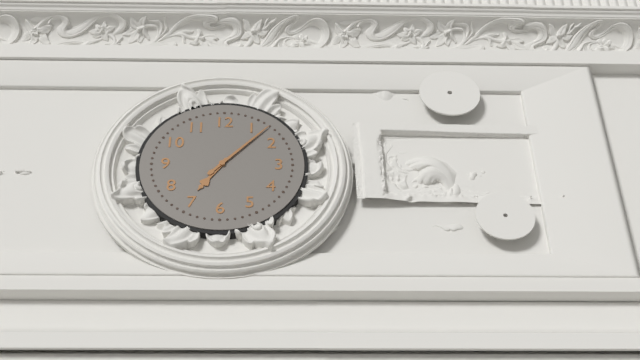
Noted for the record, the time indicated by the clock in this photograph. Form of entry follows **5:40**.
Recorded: **7:07**
